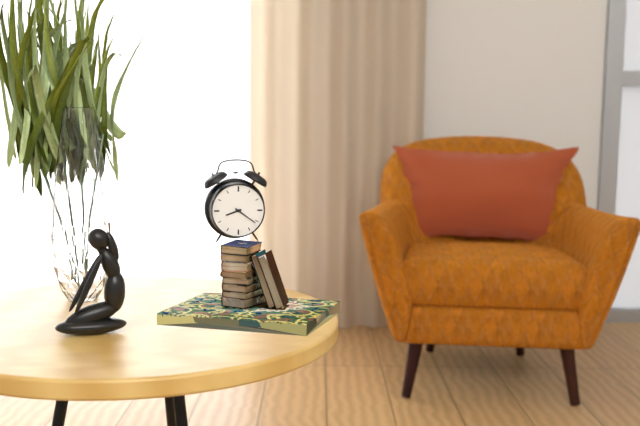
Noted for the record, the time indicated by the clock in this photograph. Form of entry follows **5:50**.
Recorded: **8:21**
